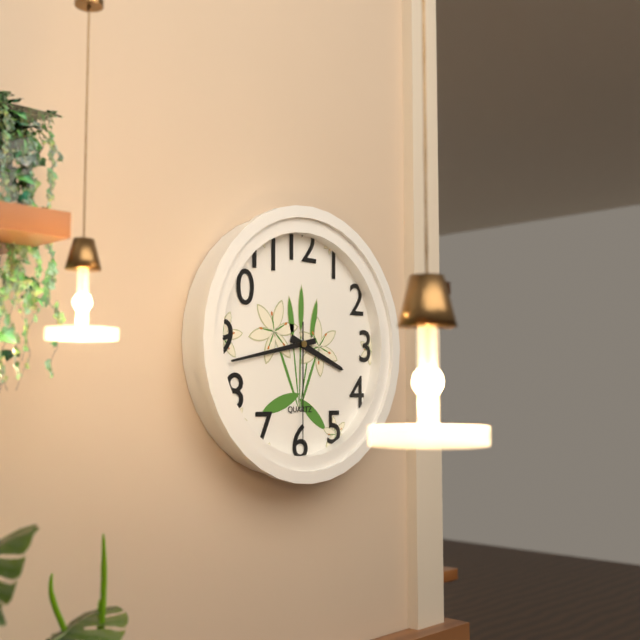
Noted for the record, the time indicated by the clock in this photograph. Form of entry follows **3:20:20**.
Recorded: **3:43:30**
